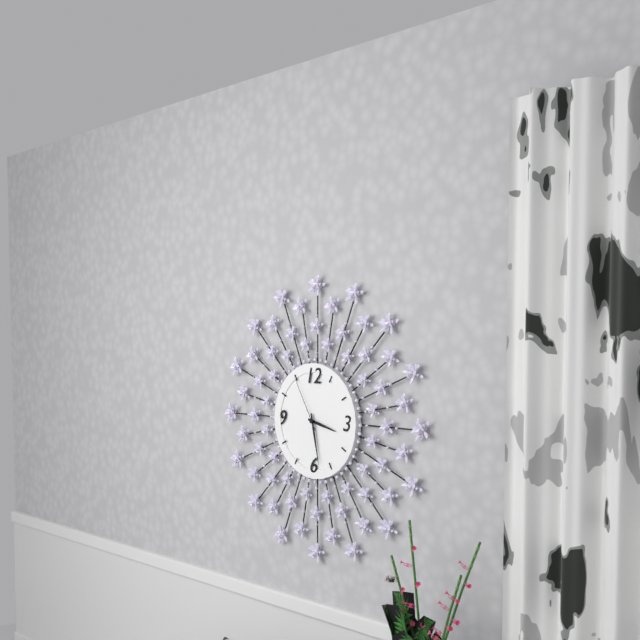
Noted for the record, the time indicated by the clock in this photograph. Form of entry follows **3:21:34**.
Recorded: **3:28:55**
